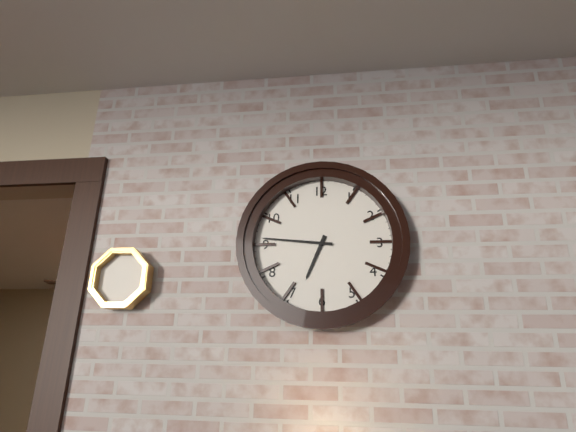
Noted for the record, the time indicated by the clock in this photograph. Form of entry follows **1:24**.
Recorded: **6:46**
